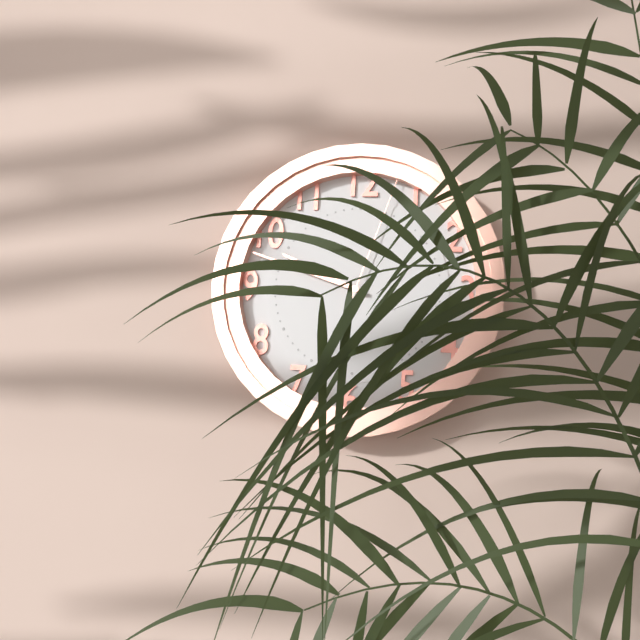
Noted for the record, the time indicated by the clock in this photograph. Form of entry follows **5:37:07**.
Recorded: **9:48:03**
